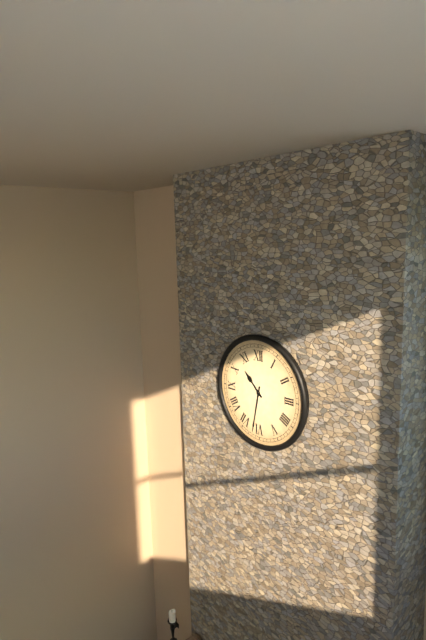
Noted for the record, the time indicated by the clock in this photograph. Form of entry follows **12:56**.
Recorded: **10:32**
